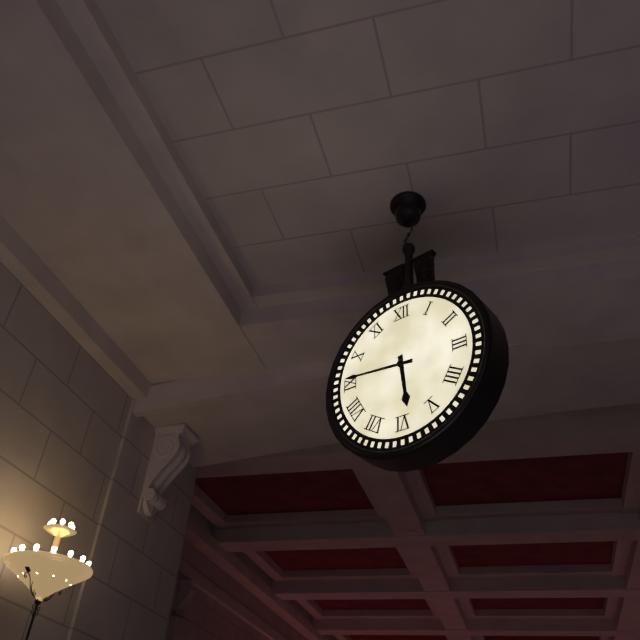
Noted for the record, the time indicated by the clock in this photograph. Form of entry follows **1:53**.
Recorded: **5:46**
